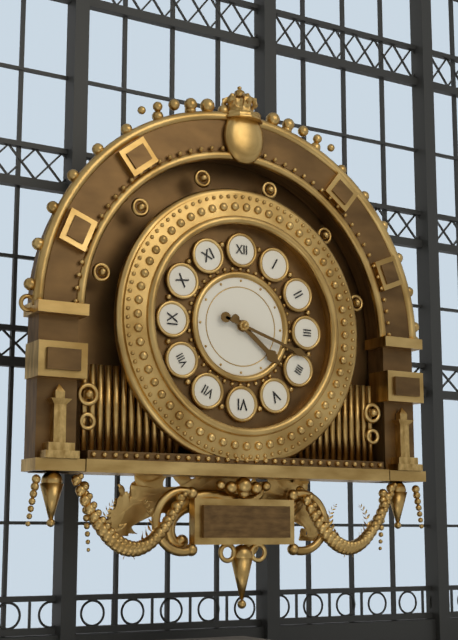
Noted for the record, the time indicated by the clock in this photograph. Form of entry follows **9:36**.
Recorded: **4:18**
